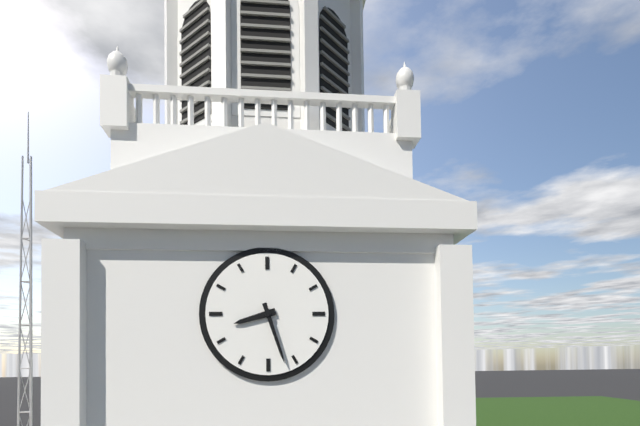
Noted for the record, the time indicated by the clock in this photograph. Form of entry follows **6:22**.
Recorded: **8:27**
